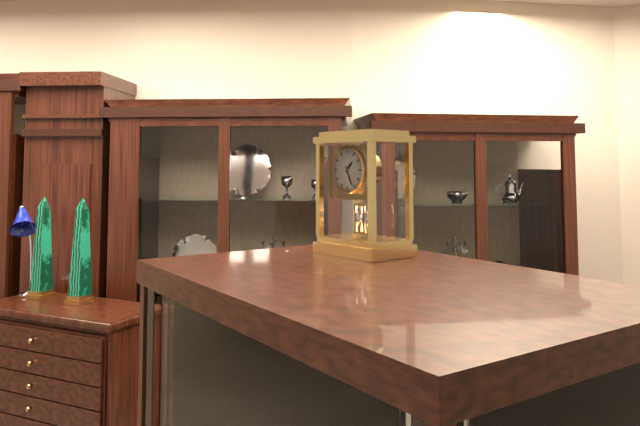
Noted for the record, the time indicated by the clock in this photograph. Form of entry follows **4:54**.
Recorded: **1:26**
